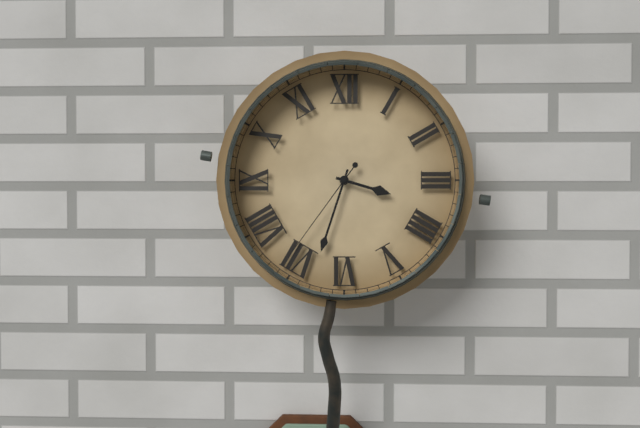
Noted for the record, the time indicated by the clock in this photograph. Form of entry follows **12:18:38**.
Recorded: **3:33:36**
